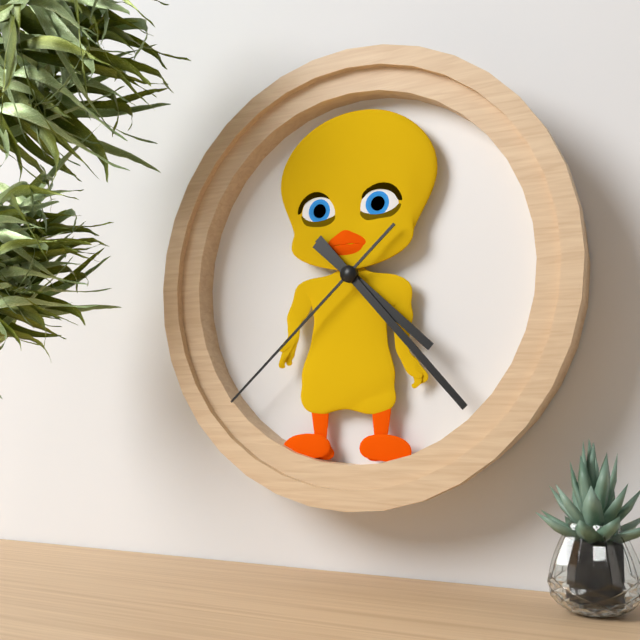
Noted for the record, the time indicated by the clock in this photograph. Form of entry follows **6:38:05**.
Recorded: **4:23:38**
